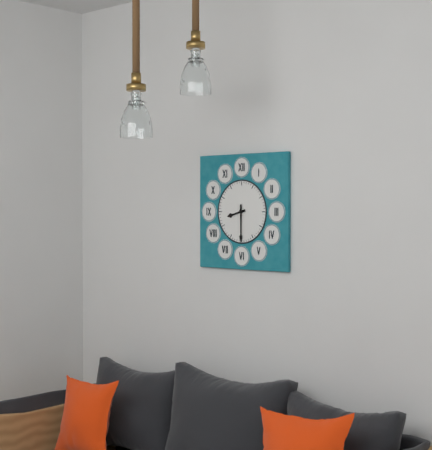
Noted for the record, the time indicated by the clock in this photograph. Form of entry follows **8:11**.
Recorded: **8:30**
